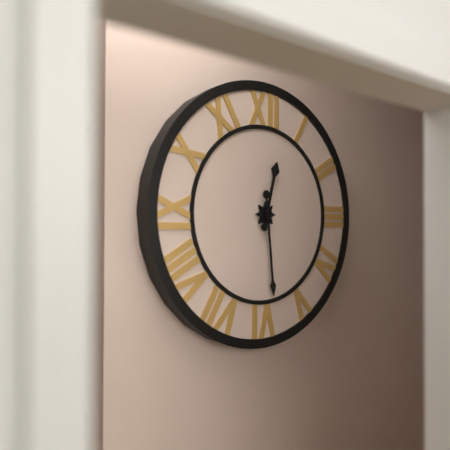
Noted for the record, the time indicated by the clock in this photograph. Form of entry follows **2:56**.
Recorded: **12:29**
